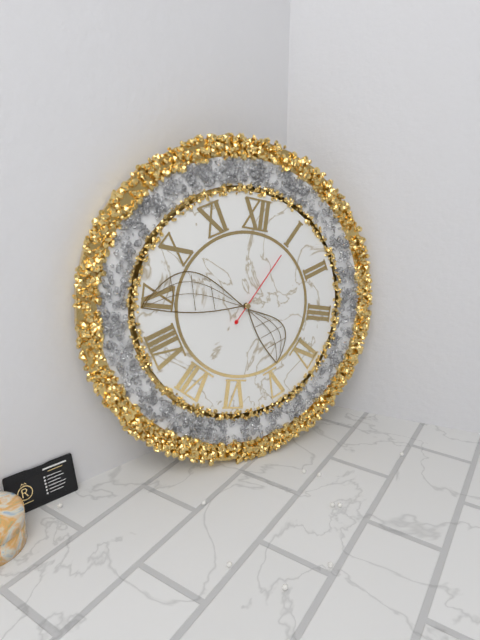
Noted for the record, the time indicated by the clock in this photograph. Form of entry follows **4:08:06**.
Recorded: **4:44:05**
